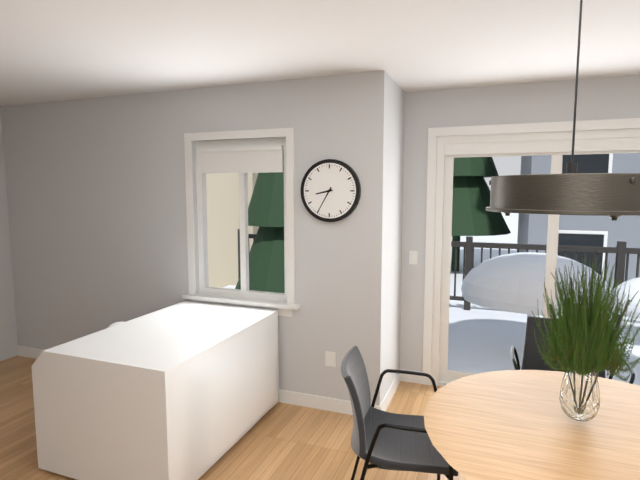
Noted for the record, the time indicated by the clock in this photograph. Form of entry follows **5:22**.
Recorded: **8:35**
